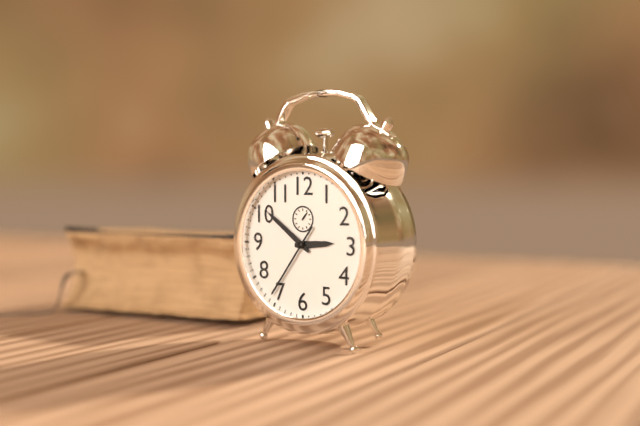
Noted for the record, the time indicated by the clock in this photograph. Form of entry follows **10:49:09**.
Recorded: **2:51:36**
